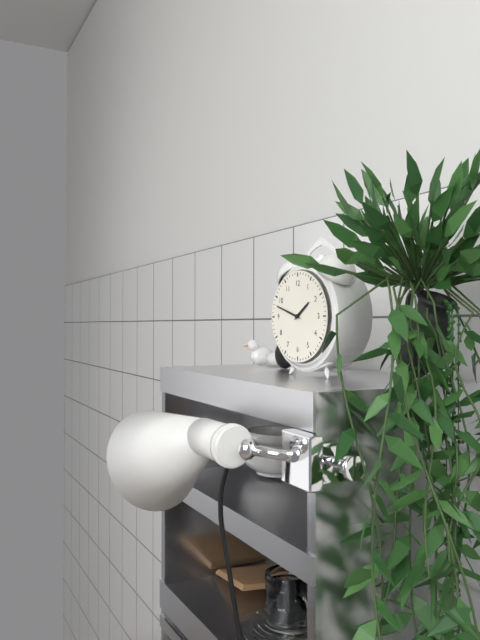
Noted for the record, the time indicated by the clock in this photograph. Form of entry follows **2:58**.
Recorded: **1:48**
